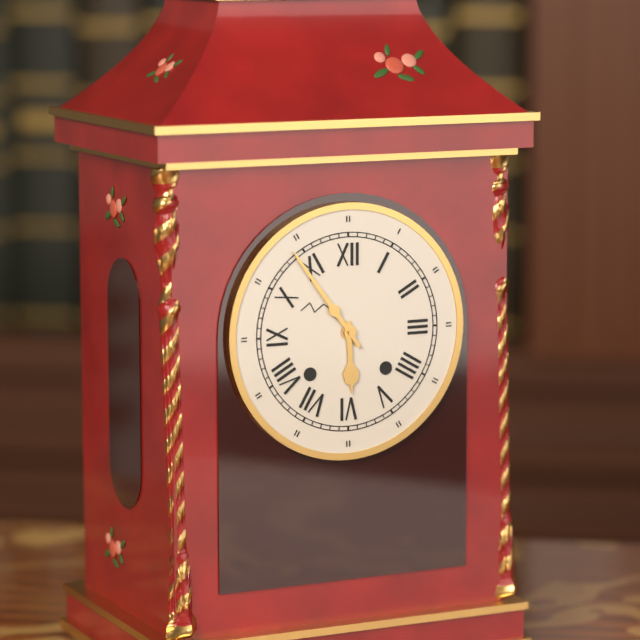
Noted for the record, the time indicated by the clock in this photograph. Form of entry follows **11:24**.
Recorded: **5:54**
